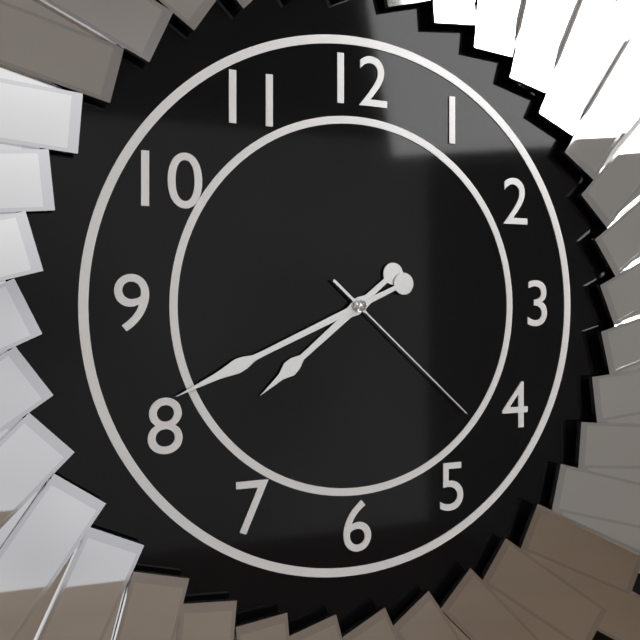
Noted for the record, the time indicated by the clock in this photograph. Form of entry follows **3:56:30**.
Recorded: **7:41:22**
